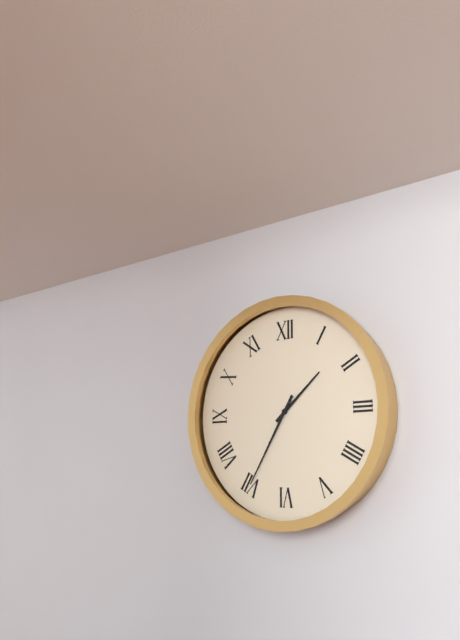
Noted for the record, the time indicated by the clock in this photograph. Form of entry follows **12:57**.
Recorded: **1:35**
